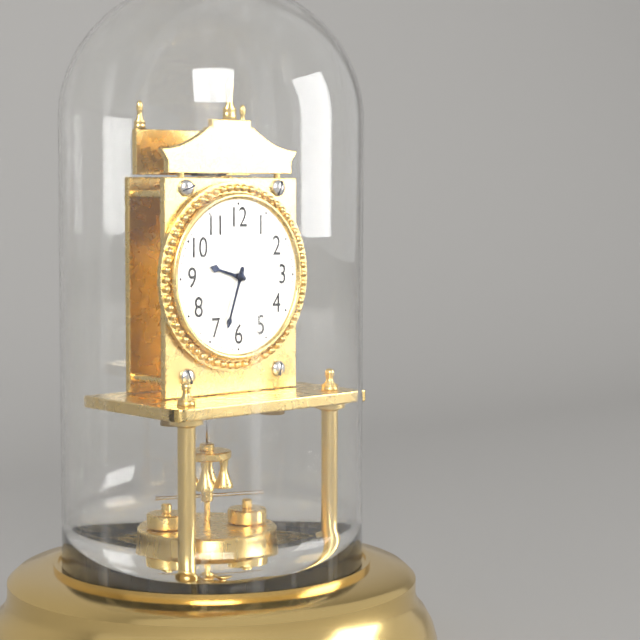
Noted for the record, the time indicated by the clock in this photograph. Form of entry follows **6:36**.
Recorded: **9:33**
